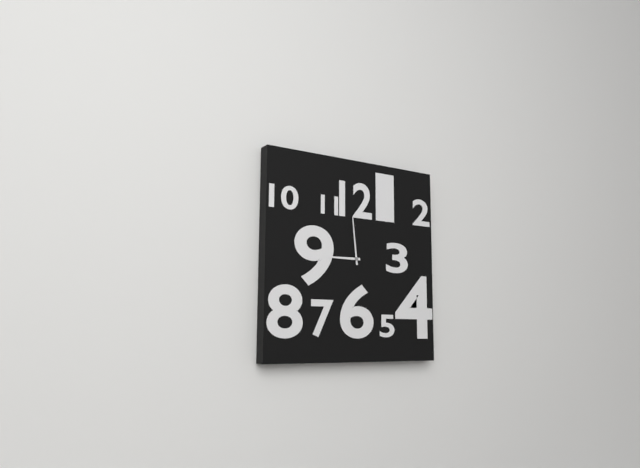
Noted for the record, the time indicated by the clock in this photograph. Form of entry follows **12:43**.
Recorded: **8:59**
